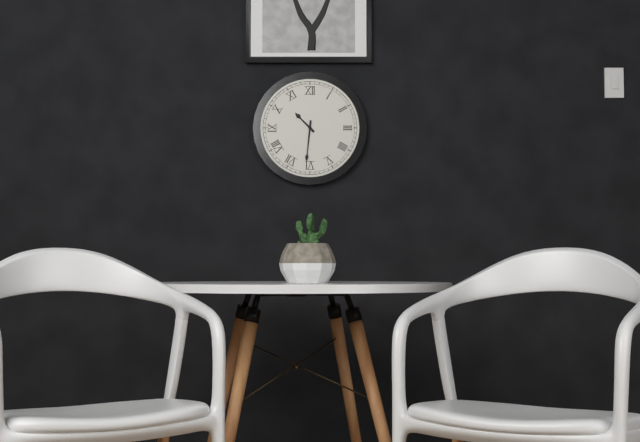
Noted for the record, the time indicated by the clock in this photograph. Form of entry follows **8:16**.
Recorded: **10:31**
